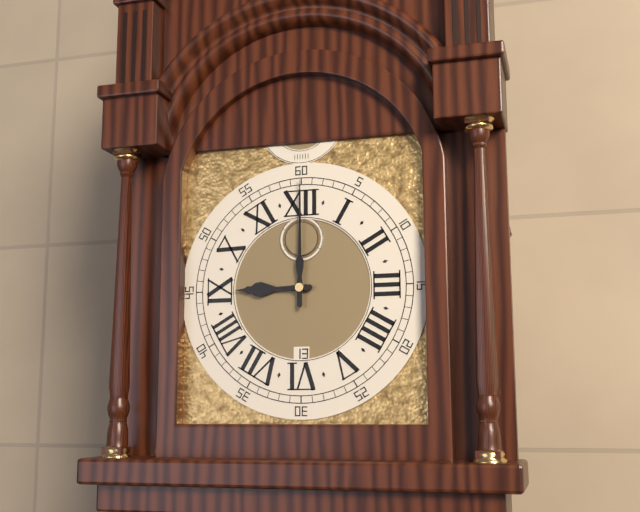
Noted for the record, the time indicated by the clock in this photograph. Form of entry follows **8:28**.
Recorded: **9:00**
